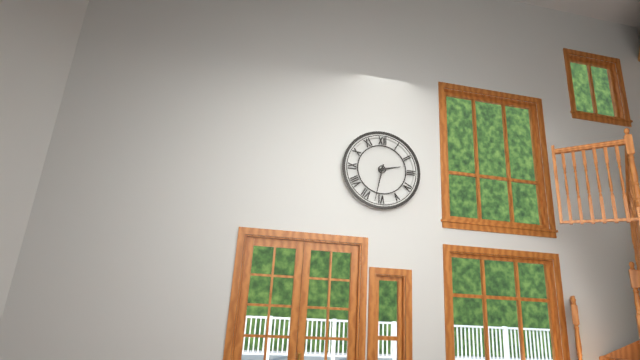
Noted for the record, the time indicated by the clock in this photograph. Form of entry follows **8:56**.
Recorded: **2:32**
